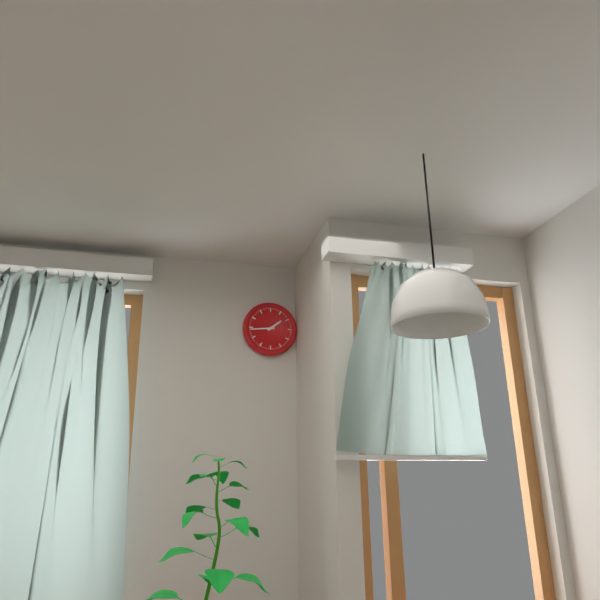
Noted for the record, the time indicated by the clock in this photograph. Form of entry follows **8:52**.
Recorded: **1:44**
